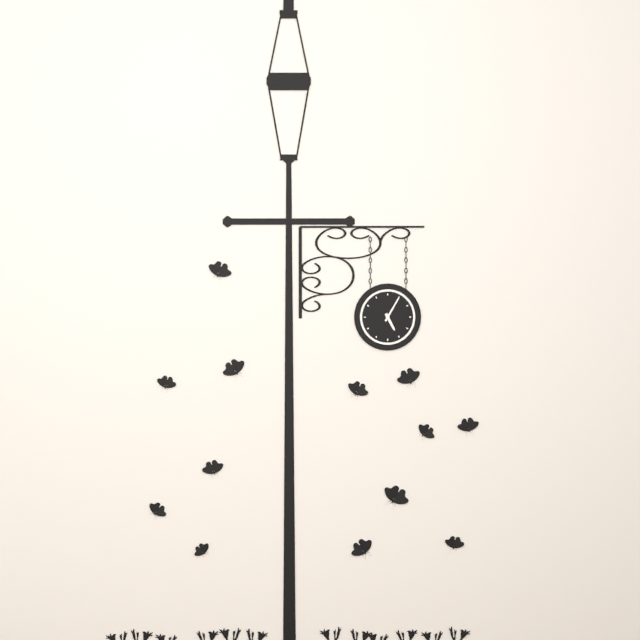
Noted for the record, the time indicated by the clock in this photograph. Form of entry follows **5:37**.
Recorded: **5:05**
